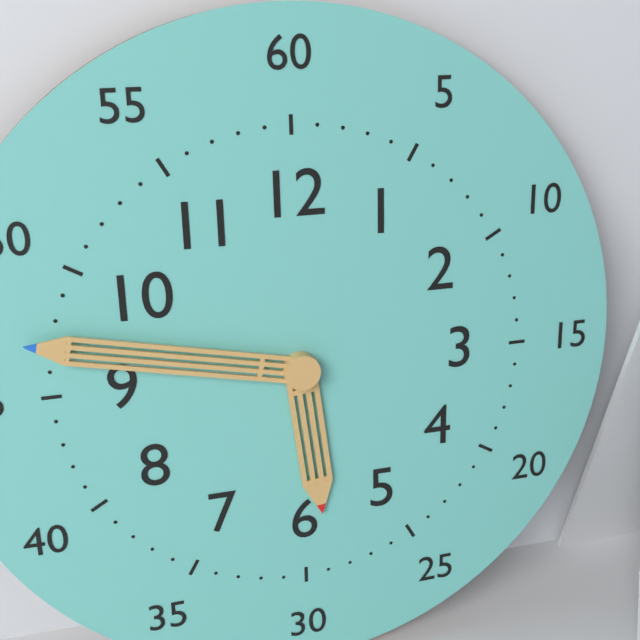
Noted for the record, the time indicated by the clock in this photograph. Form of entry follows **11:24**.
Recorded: **5:47**
